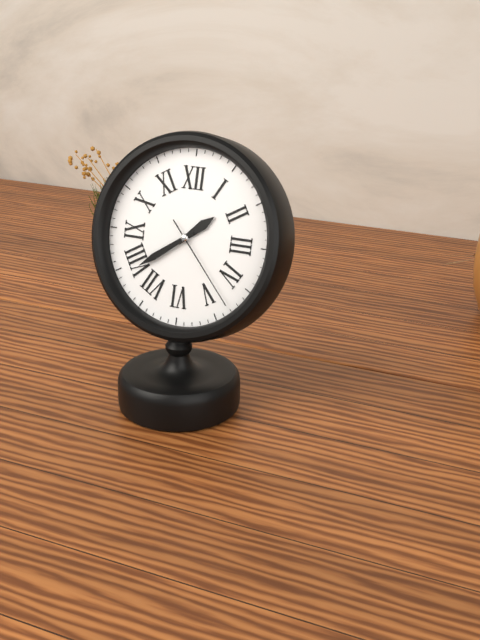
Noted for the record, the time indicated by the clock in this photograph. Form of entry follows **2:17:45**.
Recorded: **1:39:23**
